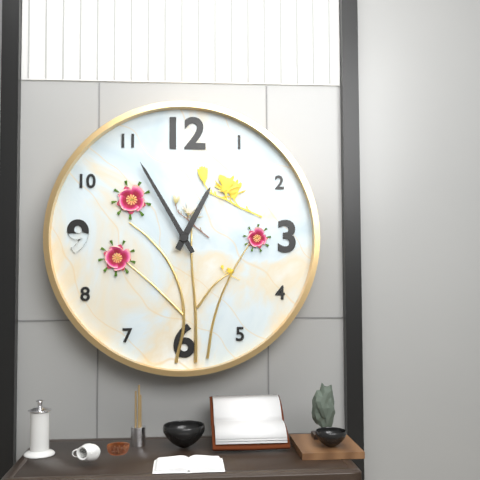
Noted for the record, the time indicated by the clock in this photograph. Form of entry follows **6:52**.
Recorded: **12:55**
